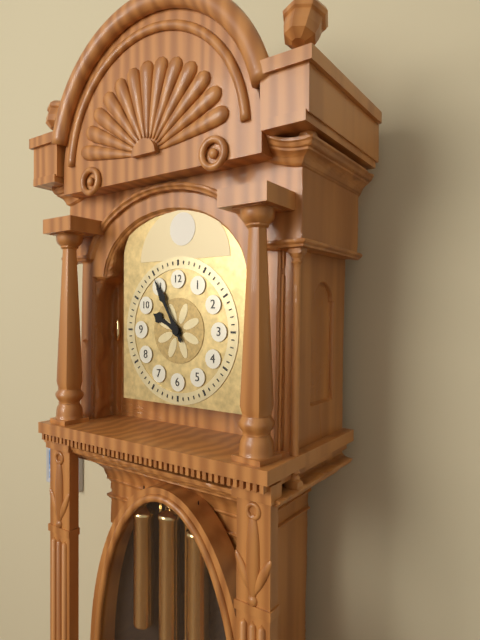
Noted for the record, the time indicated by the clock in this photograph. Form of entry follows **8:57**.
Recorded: **9:55**
